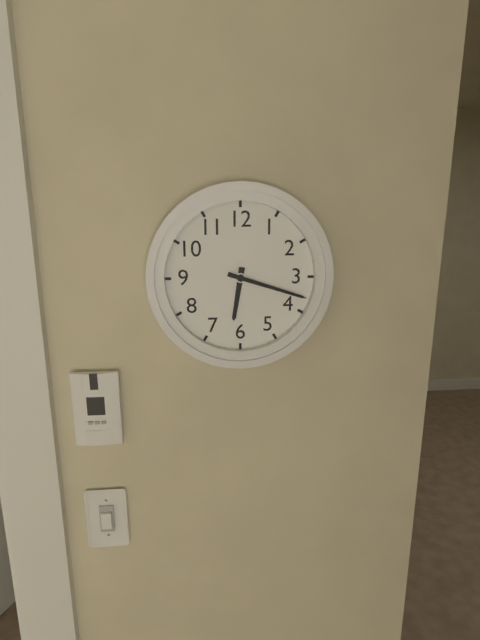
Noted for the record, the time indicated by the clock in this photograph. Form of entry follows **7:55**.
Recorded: **6:18**
